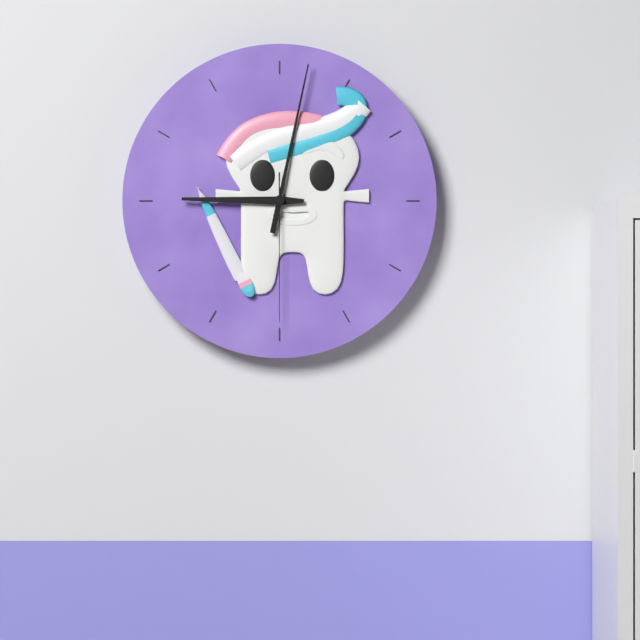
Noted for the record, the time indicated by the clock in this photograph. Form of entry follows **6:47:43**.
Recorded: **9:02:30**
